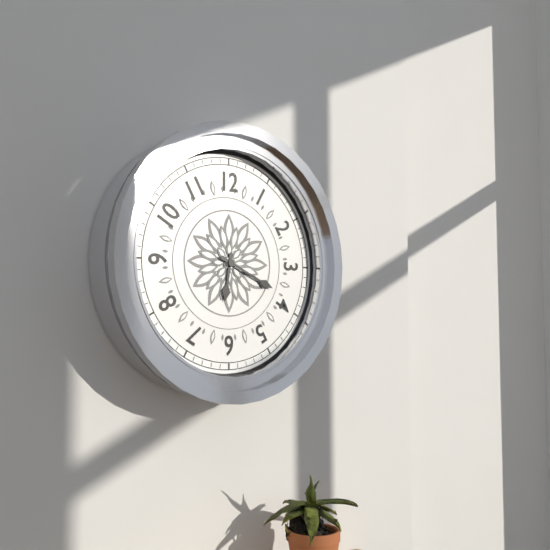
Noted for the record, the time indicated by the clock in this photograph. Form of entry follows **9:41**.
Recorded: **6:19**
